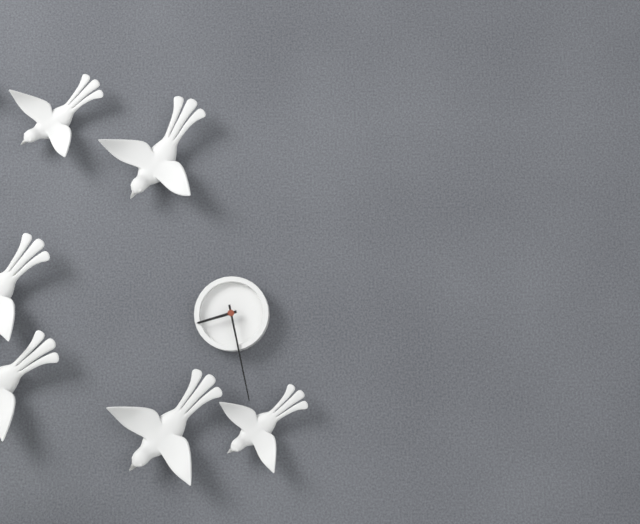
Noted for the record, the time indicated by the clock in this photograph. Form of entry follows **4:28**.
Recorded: **8:28**
